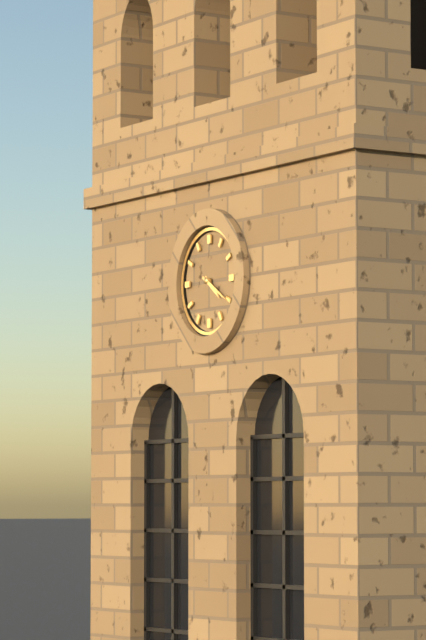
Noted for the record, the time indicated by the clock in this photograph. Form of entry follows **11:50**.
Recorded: **4:20**
